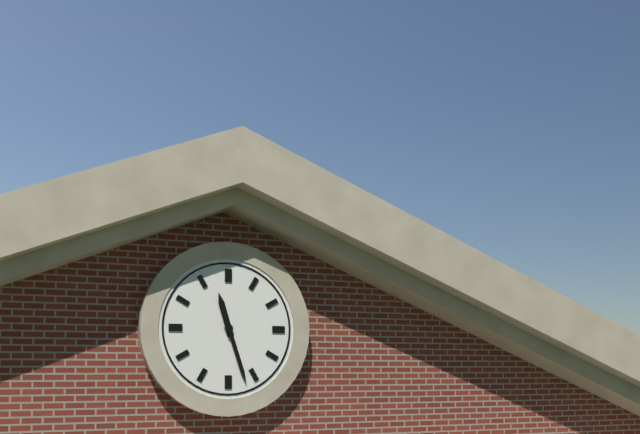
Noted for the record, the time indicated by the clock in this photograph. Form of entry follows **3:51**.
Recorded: **11:27**
